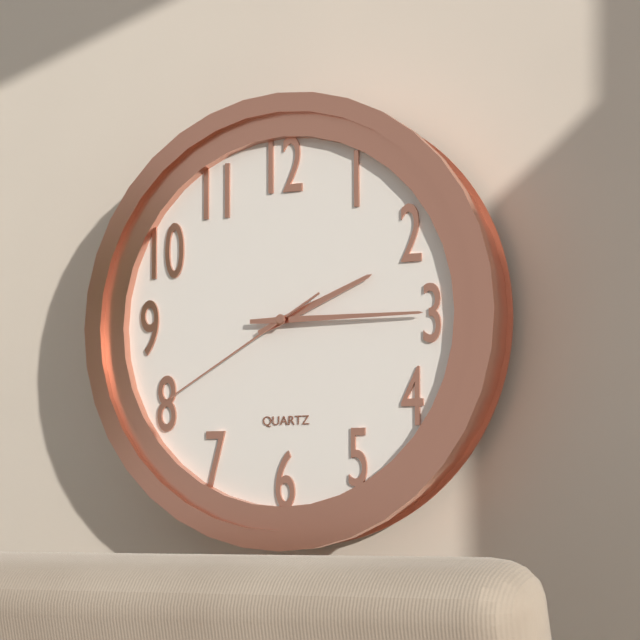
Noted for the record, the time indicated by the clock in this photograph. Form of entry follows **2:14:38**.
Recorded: **2:15:40**
